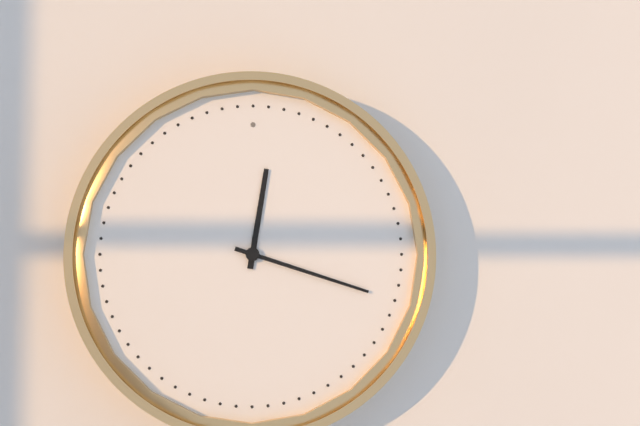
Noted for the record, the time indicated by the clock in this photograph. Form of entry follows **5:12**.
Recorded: **12:18**
